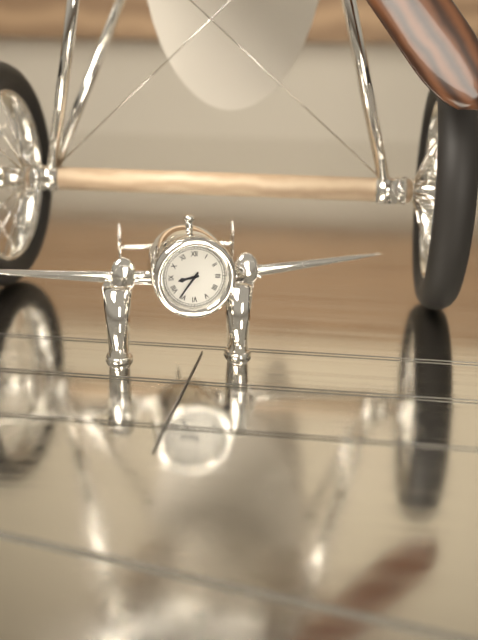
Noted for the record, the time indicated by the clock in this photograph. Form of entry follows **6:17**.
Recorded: **8:36**
